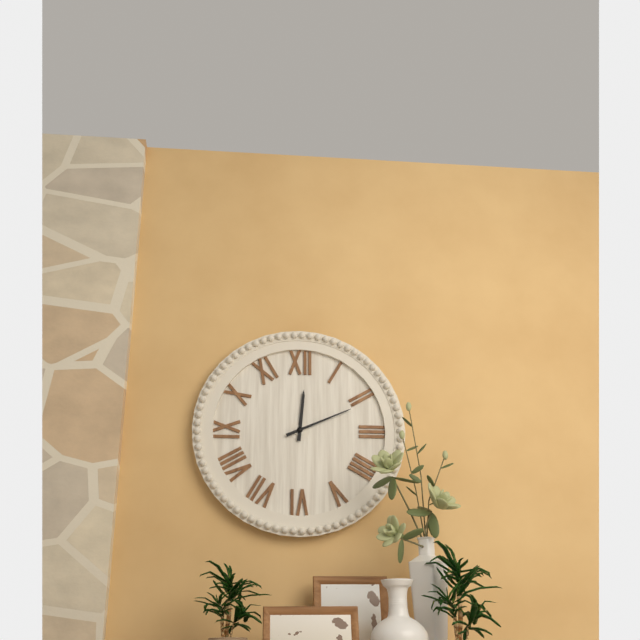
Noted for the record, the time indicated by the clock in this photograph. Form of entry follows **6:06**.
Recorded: **12:11**
